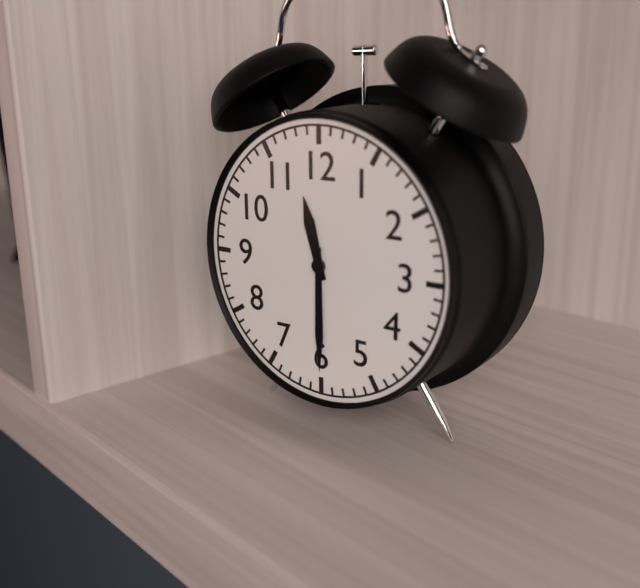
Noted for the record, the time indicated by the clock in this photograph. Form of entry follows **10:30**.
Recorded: **11:30**
